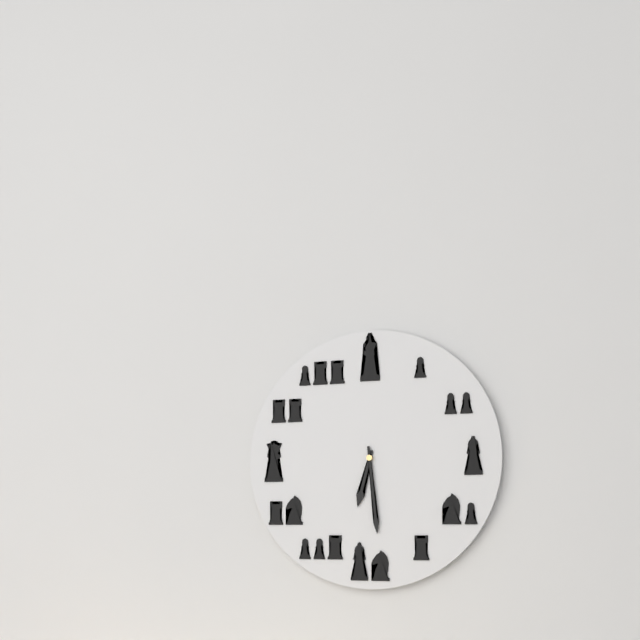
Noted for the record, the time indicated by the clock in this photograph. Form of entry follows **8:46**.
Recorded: **6:29**
